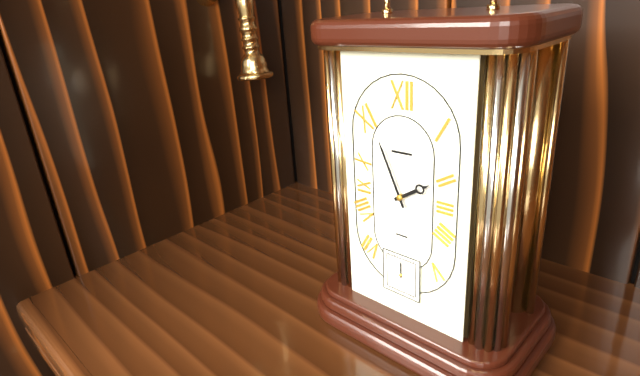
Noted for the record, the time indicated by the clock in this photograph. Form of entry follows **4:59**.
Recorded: **1:56**
